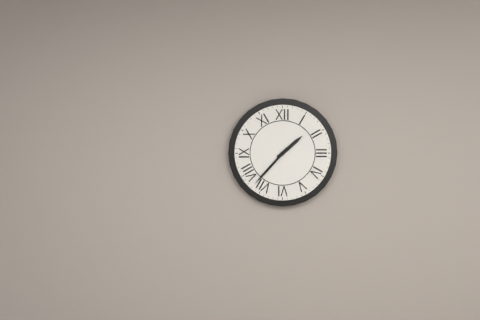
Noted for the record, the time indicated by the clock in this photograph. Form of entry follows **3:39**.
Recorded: **1:37**
